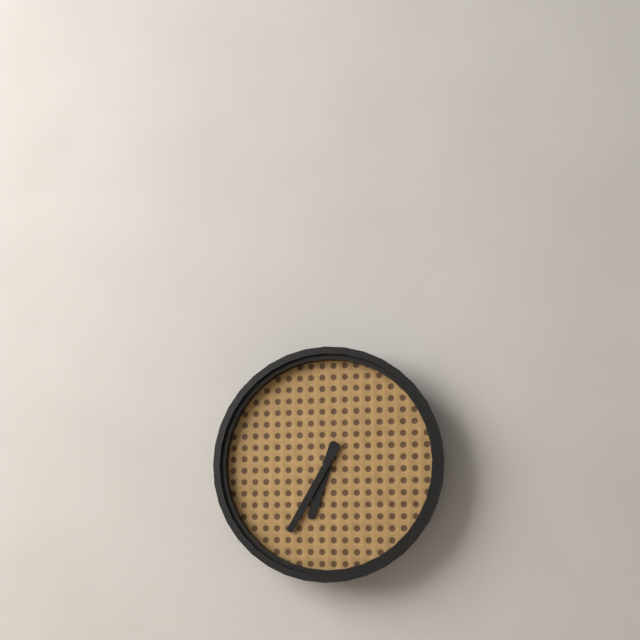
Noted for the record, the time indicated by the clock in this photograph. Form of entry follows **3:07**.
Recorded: **6:35**
